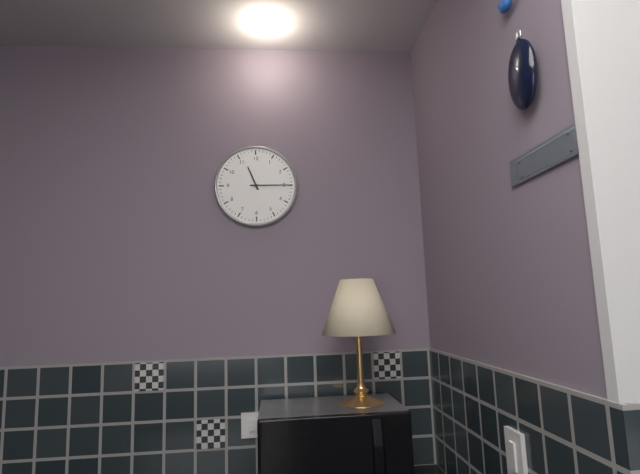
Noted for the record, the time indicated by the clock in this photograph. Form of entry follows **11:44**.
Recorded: **11:15**
